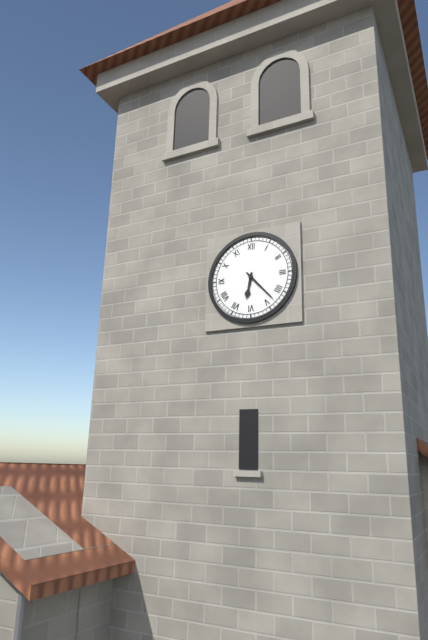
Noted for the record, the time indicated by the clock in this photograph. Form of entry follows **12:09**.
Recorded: **6:23**
